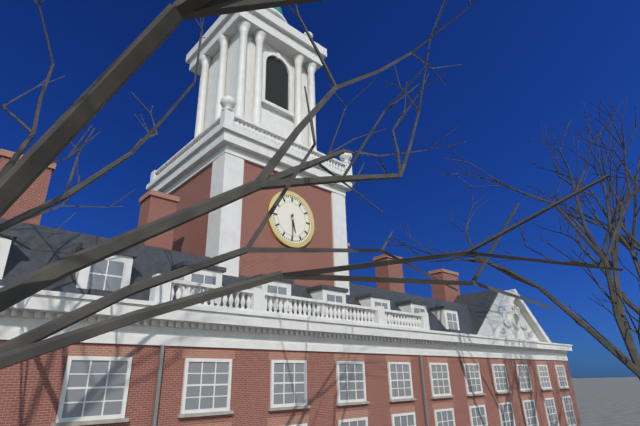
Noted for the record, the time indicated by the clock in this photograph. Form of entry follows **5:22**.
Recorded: **5:30**
